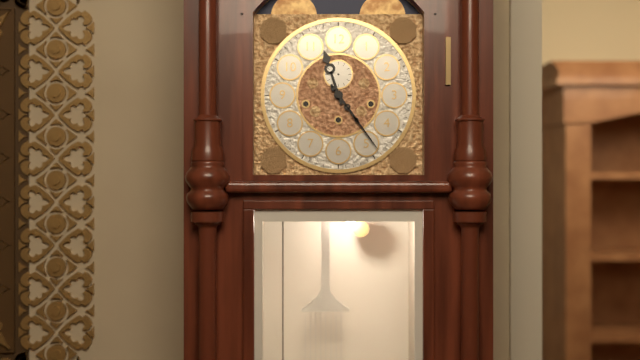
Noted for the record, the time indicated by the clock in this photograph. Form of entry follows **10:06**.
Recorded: **11:24**
